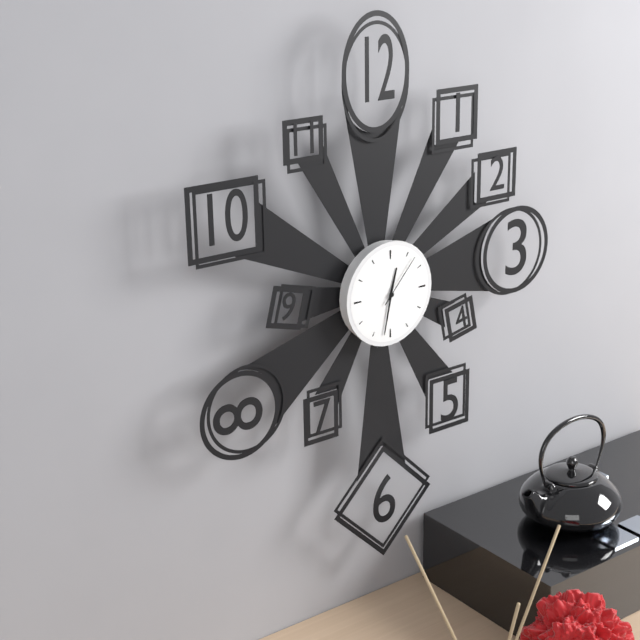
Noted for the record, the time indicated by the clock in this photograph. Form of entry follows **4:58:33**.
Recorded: **12:32:07**
